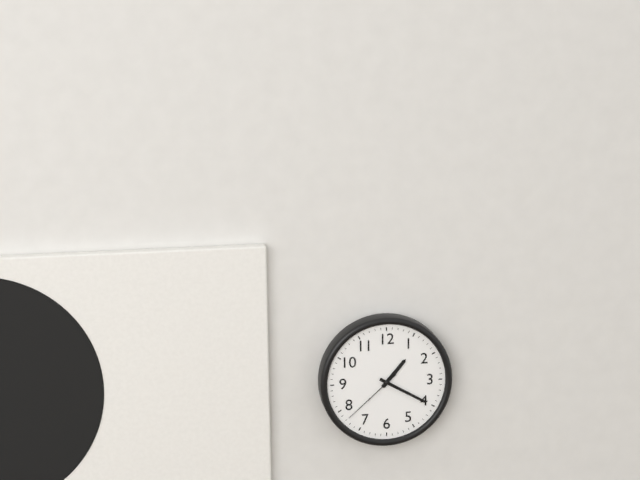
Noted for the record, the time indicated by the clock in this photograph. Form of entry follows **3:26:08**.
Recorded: **1:20:38**
